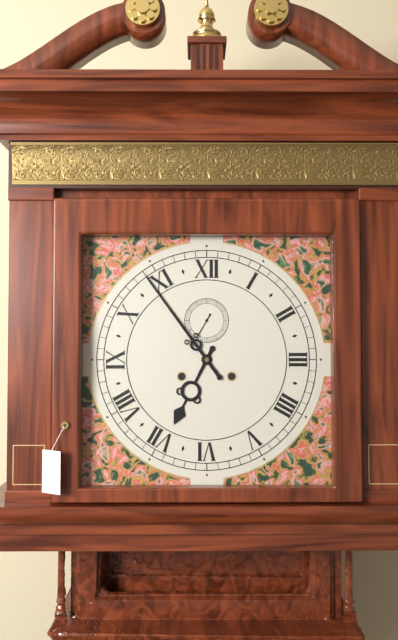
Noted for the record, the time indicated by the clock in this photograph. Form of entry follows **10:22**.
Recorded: **6:54**
